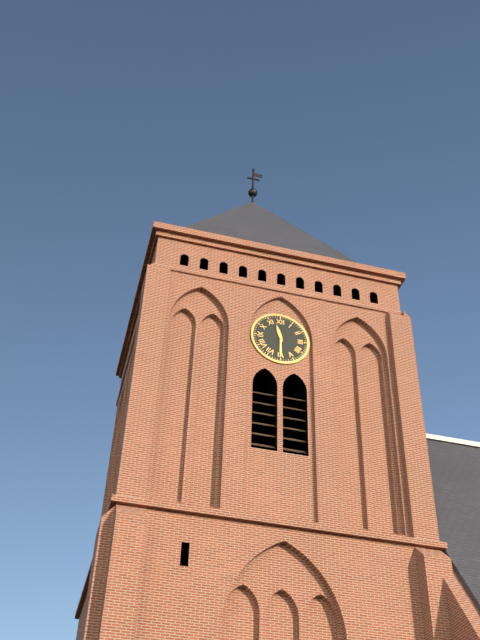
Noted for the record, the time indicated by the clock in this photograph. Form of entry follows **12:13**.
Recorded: **11:30**
